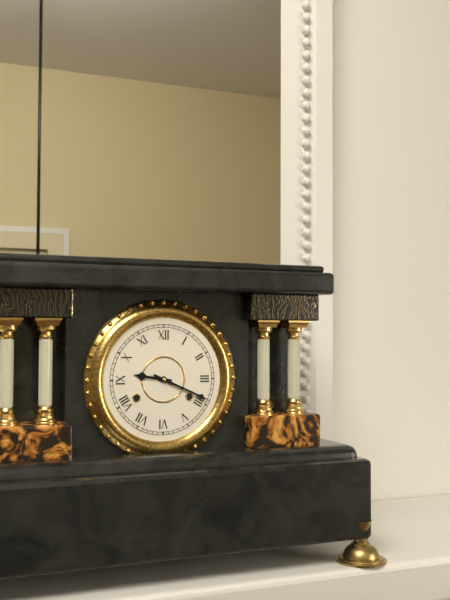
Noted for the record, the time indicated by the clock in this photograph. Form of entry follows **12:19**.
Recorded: **9:19**
